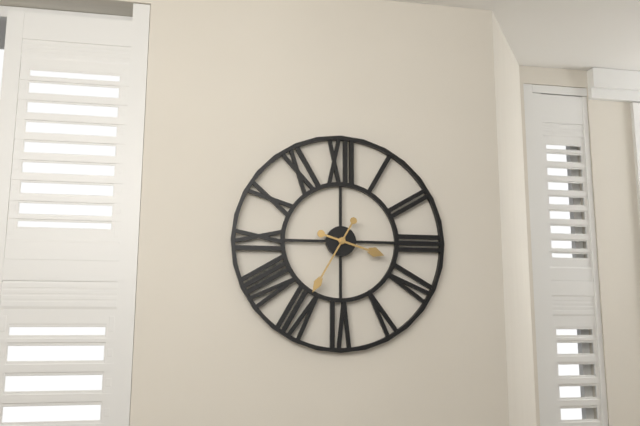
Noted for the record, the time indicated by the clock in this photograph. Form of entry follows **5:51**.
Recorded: **3:35**
